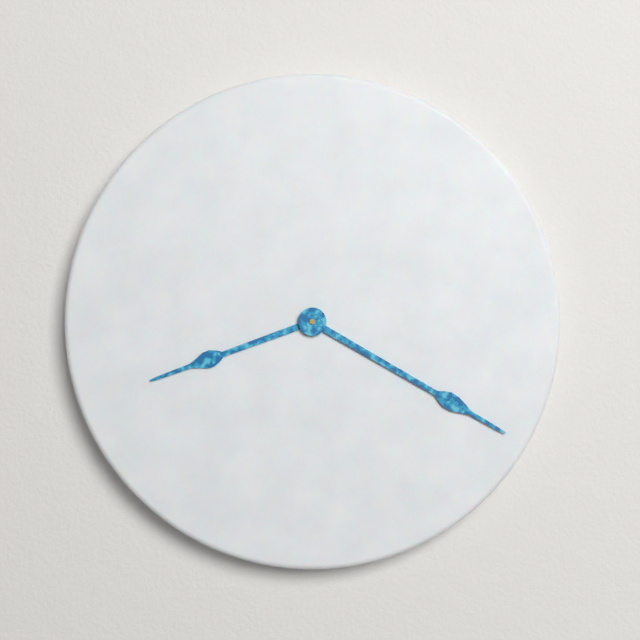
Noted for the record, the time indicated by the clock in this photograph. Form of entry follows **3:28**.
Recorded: **8:20**
